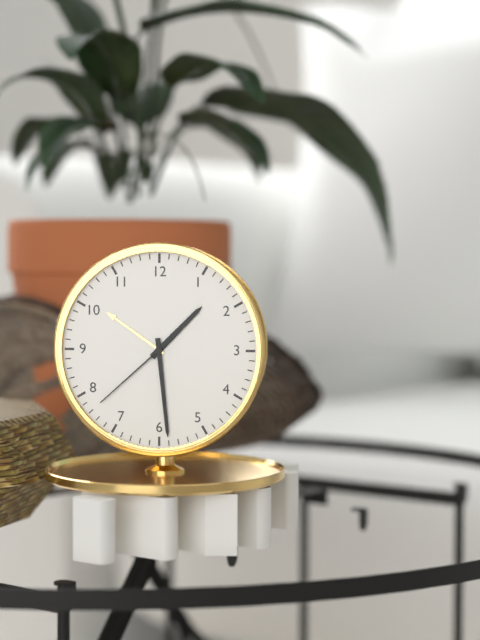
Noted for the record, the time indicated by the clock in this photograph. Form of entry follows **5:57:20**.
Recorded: **1:29:38**
